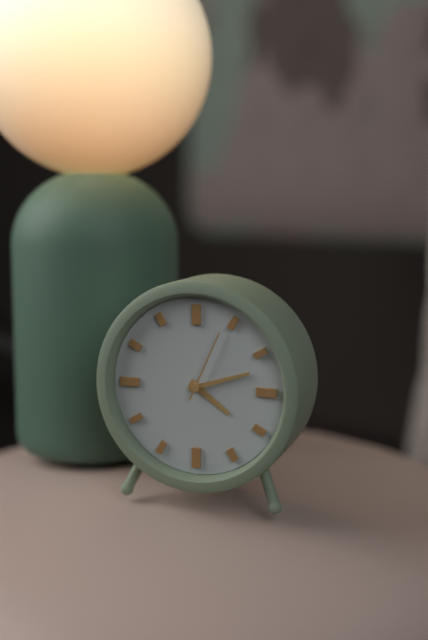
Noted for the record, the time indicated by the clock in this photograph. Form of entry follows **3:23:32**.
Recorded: **4:12:04**
